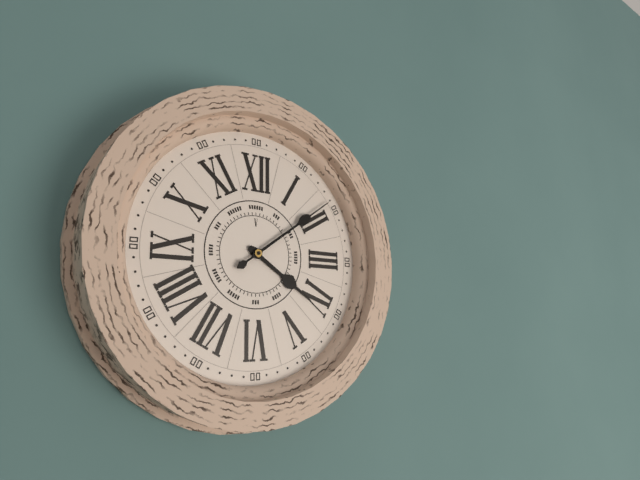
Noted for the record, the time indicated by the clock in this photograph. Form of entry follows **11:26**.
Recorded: **4:09**
